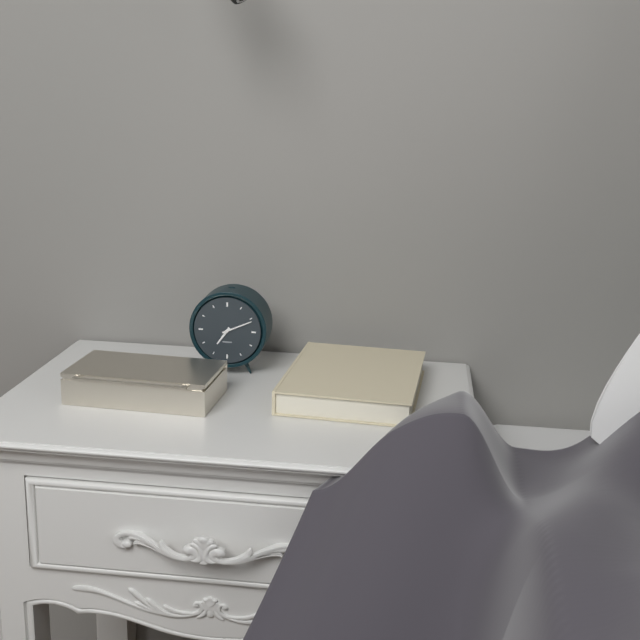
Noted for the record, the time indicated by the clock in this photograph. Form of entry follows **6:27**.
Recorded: **7:11**
